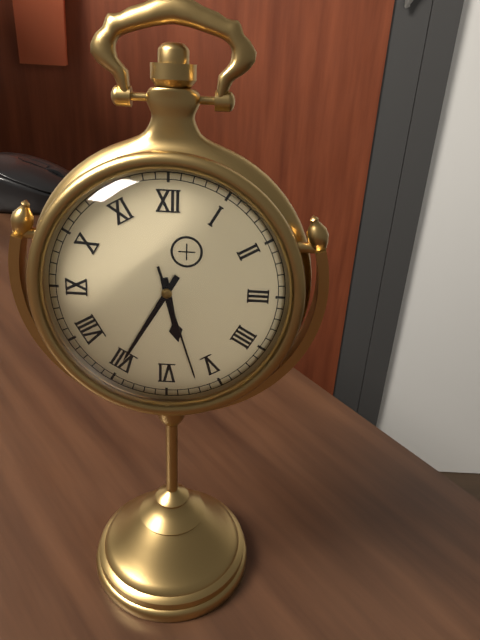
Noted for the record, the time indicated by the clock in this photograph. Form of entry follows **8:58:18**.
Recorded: **5:35:27**
